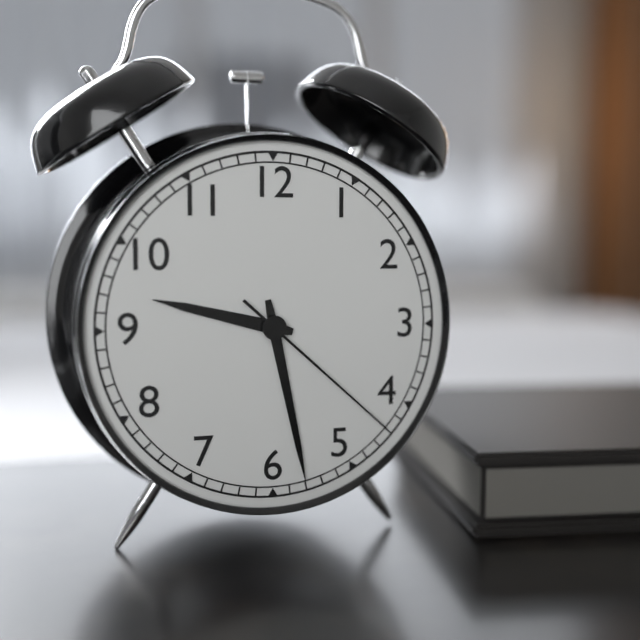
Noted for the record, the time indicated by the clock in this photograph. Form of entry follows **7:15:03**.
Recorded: **9:28:22**
